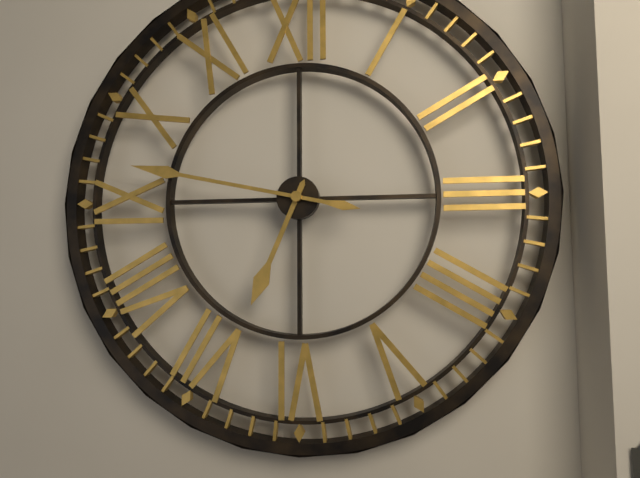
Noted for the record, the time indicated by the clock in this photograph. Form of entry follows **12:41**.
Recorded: **6:47**
